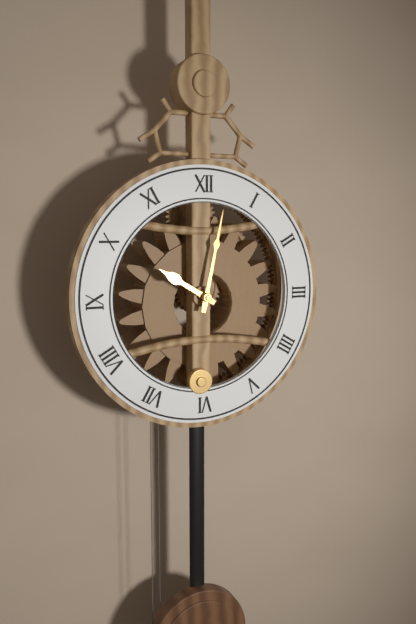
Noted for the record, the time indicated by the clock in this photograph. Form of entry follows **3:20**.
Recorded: **10:02**
